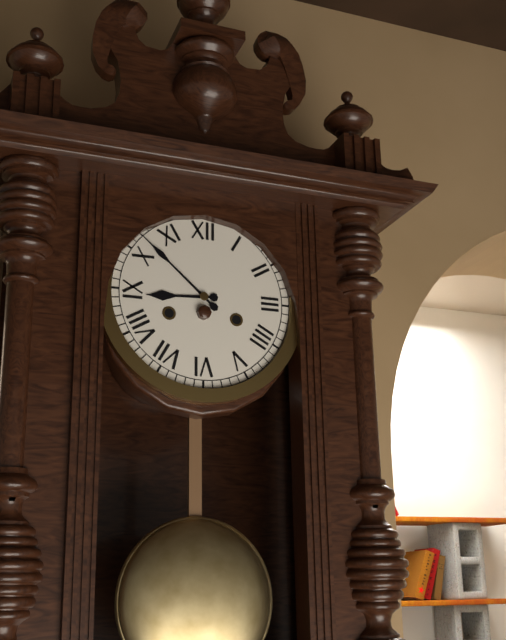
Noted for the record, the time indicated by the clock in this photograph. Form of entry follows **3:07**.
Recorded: **8:52**
